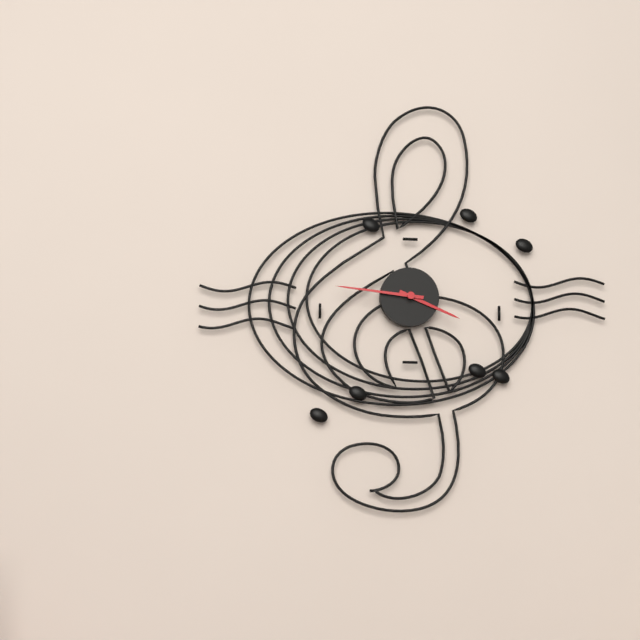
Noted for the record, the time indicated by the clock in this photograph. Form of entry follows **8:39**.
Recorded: **3:46**
